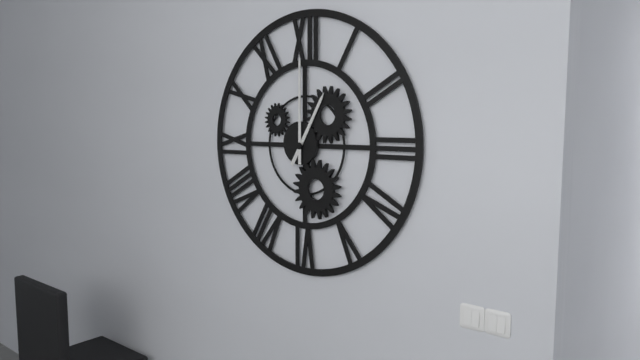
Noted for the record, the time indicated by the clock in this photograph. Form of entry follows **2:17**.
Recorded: **1:00**
